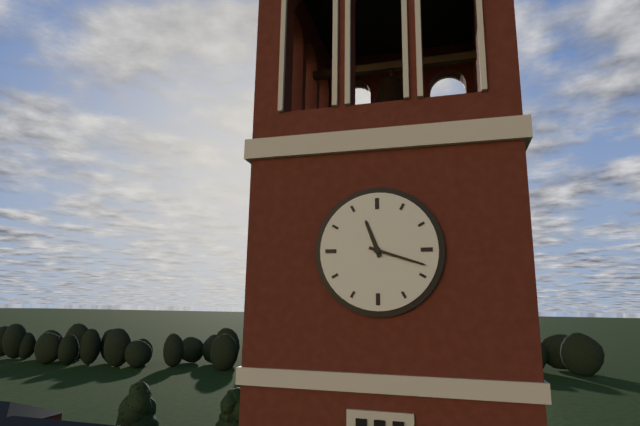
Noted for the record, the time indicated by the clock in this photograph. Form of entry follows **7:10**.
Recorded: **11:18**
